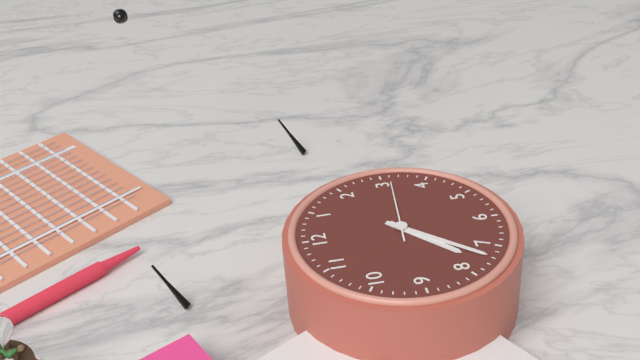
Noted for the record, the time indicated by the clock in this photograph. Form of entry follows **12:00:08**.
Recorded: **7:37:16**
